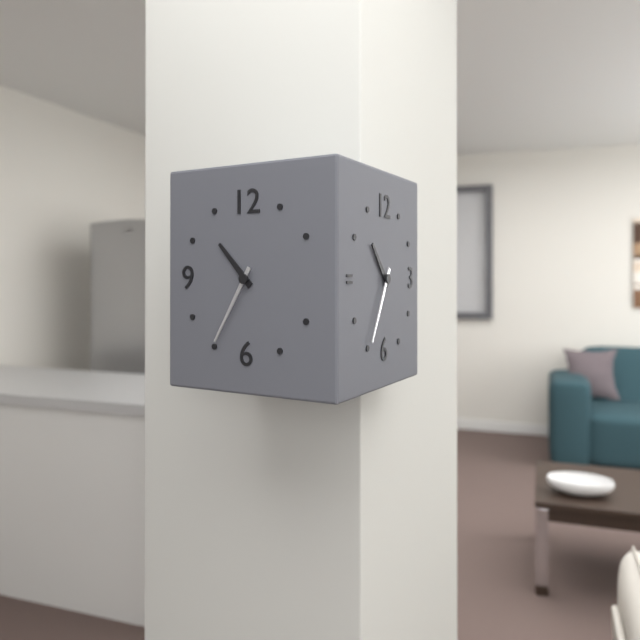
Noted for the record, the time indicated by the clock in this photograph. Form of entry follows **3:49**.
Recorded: **10:35**
